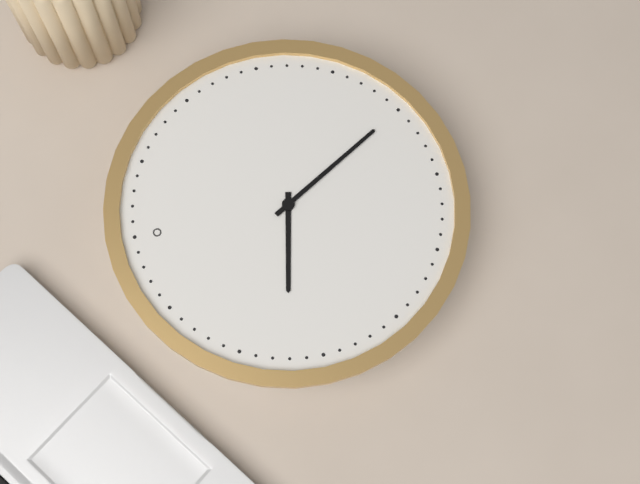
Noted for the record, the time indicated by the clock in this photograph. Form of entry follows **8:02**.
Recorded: **9:25**
